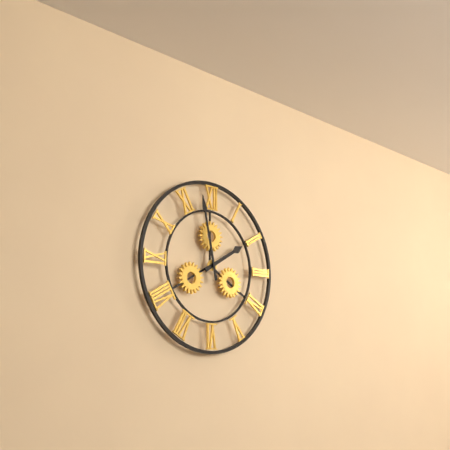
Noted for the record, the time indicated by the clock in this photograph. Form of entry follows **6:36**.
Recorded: **1:58**
